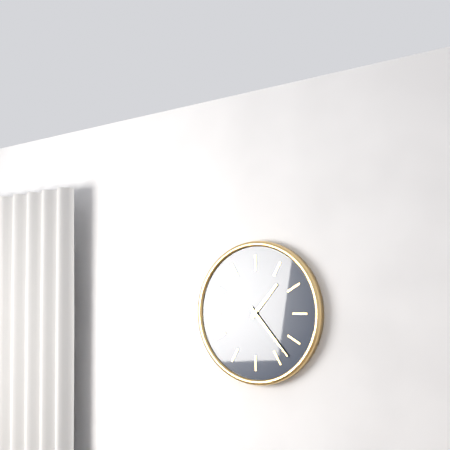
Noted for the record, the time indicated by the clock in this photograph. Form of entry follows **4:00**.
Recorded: **1:23**
